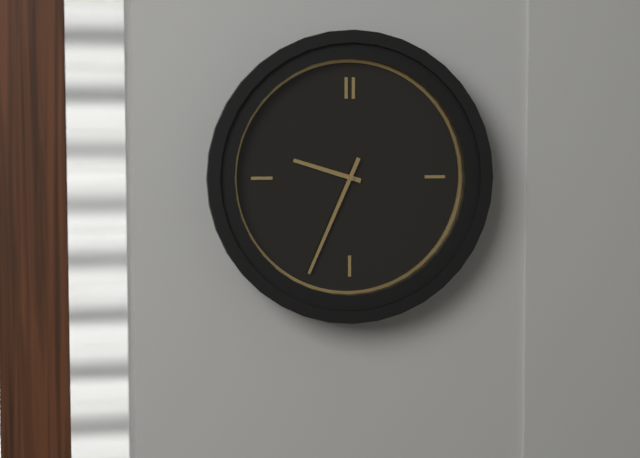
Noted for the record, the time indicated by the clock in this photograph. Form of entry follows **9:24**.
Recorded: **9:34**
